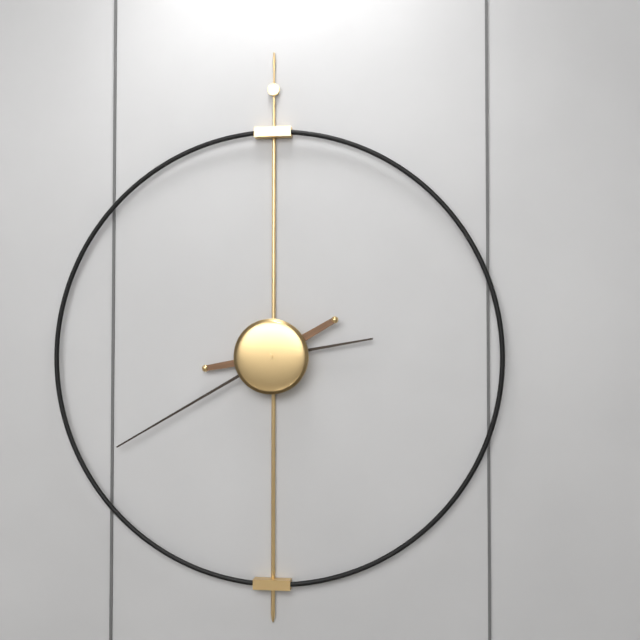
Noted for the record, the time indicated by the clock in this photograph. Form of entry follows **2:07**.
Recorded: **2:40**
